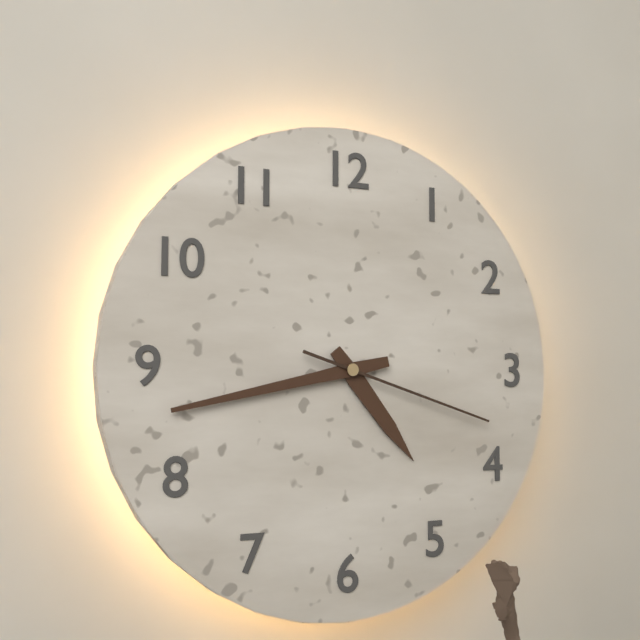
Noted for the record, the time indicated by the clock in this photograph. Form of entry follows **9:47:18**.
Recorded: **4:43:18**
